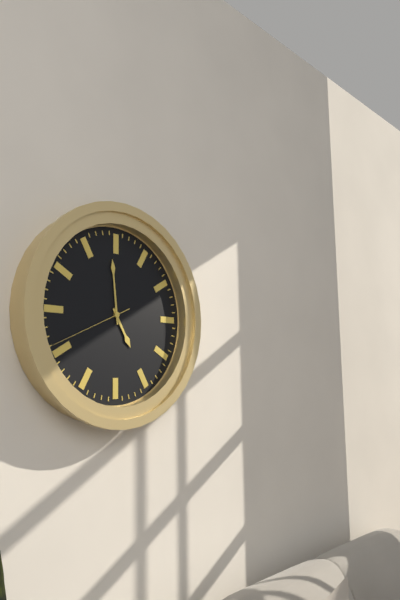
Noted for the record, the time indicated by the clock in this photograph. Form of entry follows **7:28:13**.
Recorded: **4:59:41**
